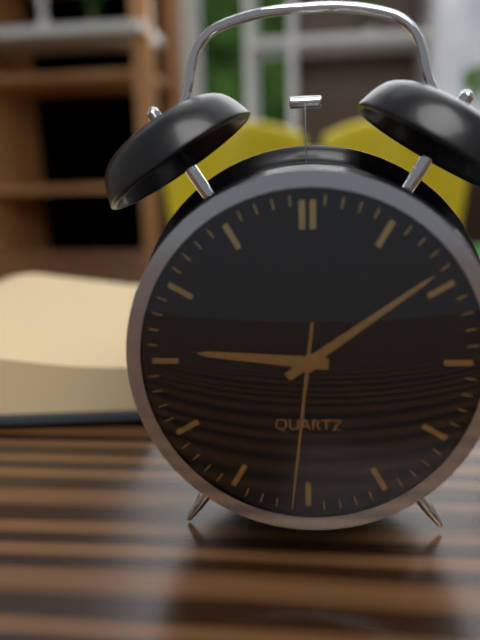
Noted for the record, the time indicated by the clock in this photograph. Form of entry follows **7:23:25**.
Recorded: **9:09:31**
